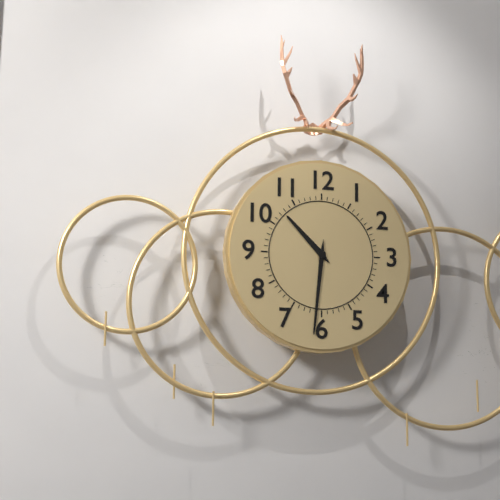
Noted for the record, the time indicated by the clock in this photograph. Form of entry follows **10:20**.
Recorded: **10:31**
